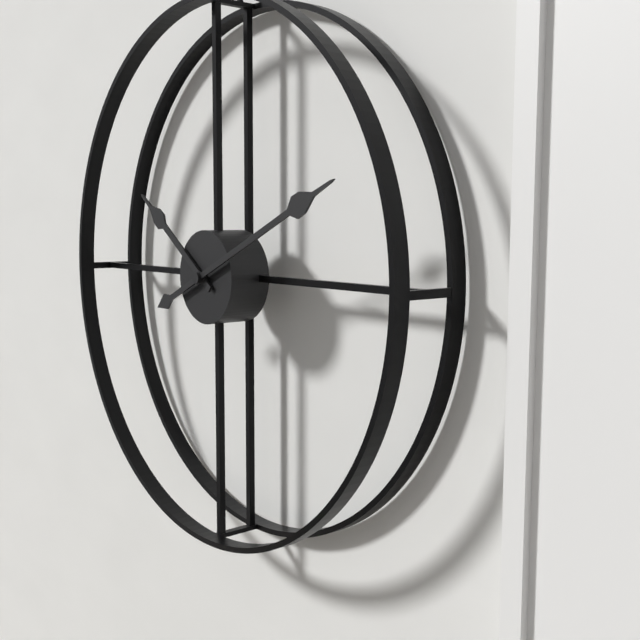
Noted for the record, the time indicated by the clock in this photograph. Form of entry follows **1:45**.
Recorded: **10:11**
